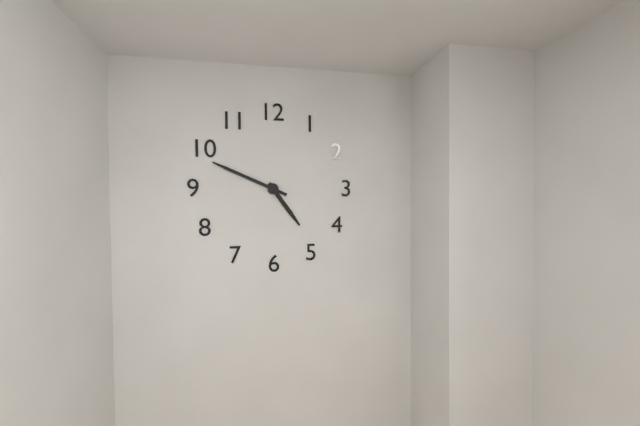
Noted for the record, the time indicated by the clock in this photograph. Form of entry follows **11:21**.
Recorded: **4:49**
